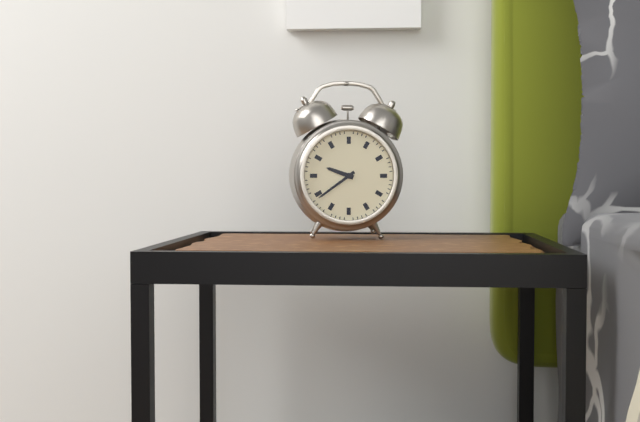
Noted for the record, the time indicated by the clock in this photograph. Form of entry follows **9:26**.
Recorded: **9:39**
